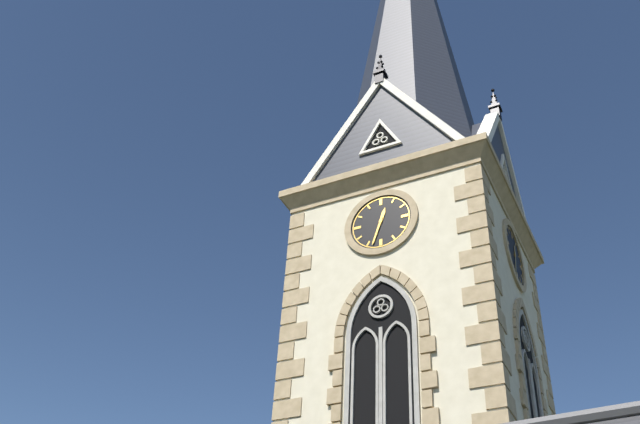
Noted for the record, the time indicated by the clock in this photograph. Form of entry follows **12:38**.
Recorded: **12:33**
